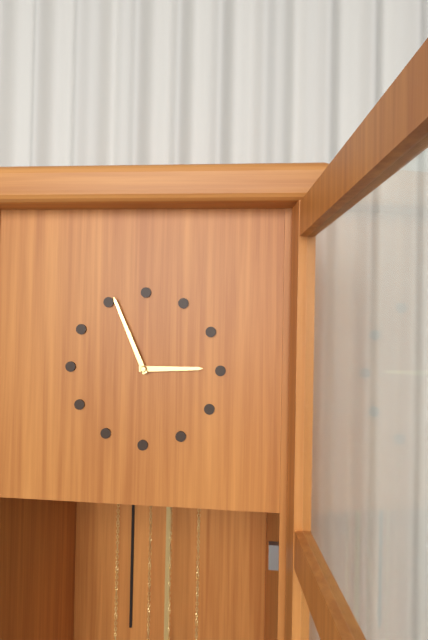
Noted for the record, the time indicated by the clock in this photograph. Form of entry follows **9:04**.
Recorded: **2:56**
